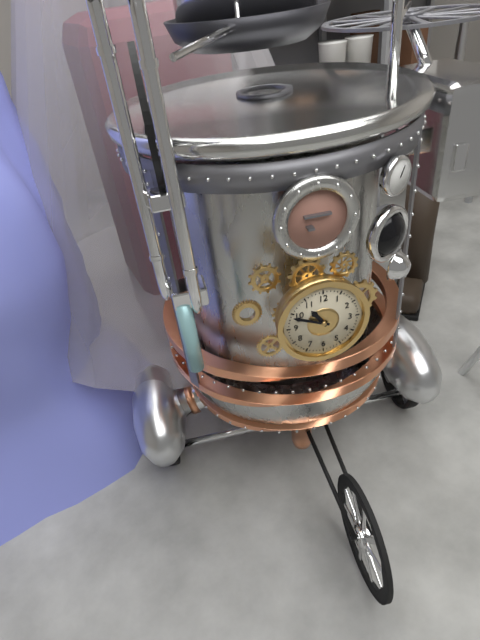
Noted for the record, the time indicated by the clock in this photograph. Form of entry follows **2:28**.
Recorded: **10:49**
